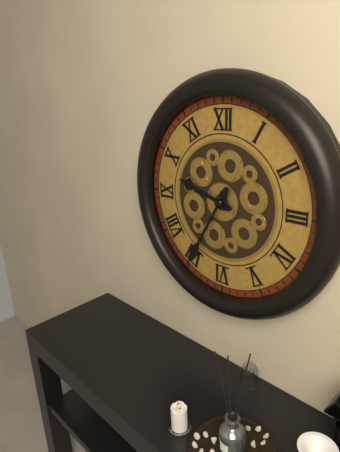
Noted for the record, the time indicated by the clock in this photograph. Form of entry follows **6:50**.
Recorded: **9:35**
